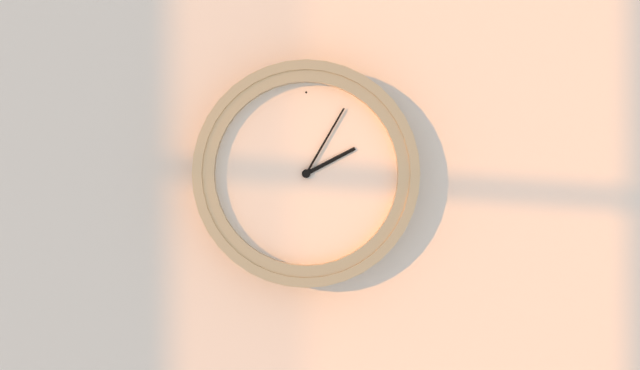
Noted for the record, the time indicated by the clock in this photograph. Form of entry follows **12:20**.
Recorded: **2:05**
